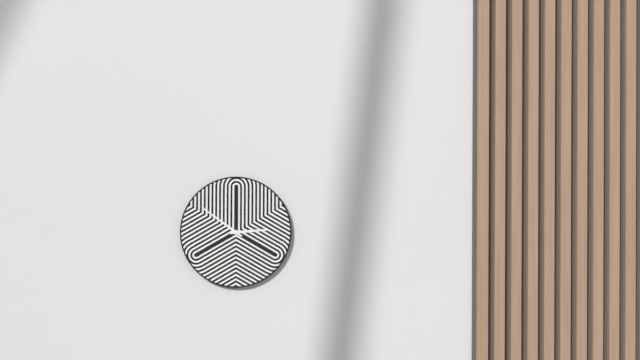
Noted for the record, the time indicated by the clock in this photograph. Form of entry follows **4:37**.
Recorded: **2:51**
